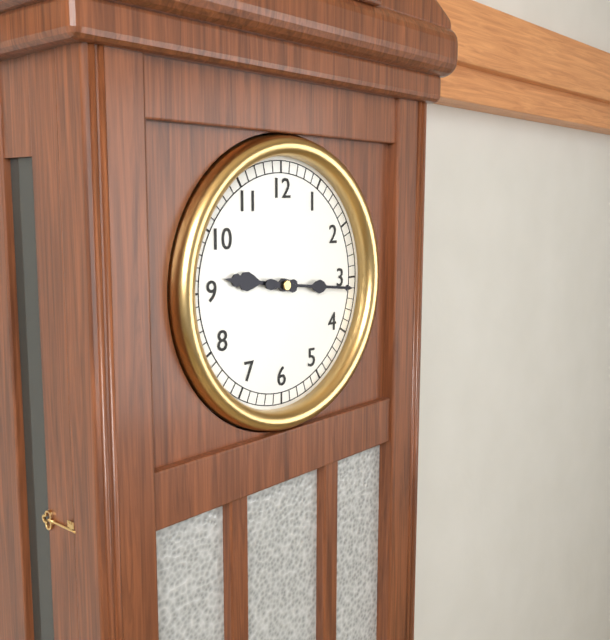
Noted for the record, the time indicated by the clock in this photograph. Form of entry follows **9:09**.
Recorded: **9:16**
